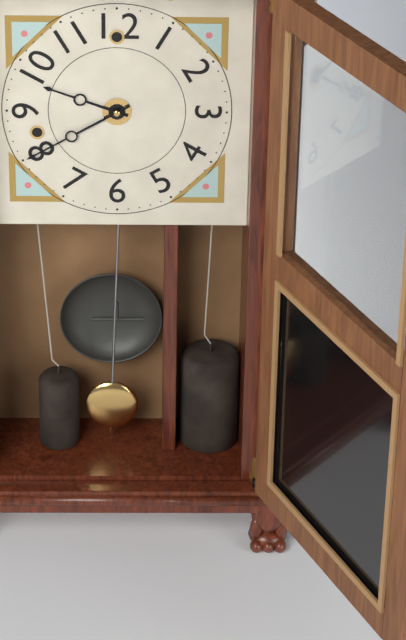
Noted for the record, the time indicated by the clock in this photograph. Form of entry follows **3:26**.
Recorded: **9:40**
